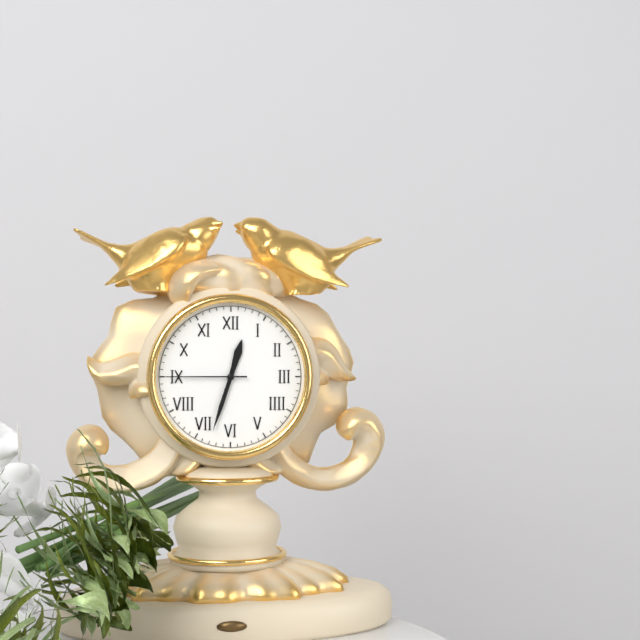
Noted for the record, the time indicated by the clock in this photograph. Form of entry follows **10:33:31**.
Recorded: **12:33:45**
